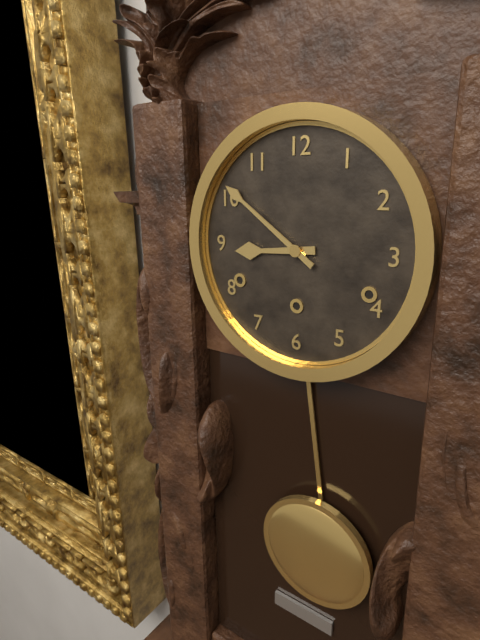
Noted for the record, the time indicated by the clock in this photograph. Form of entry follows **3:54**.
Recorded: **8:51**
